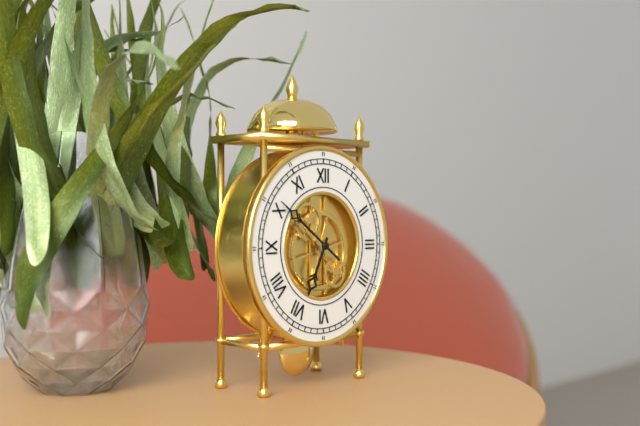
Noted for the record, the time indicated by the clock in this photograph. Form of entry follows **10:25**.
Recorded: **6:51**
